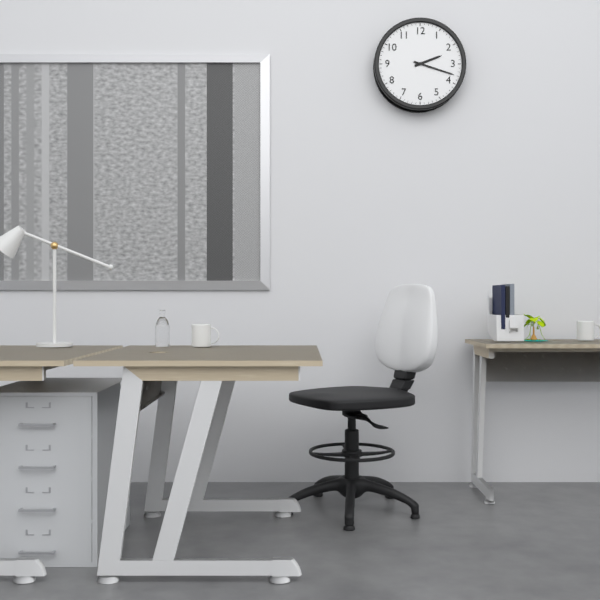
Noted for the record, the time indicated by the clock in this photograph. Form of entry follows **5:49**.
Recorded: **2:18**
